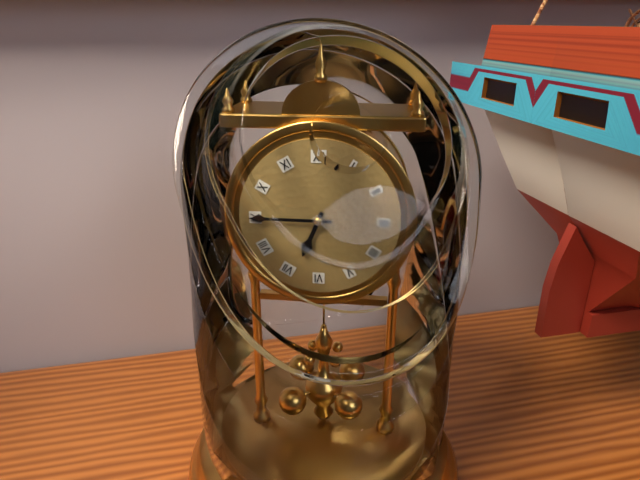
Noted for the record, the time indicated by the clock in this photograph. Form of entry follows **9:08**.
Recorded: **6:45**
